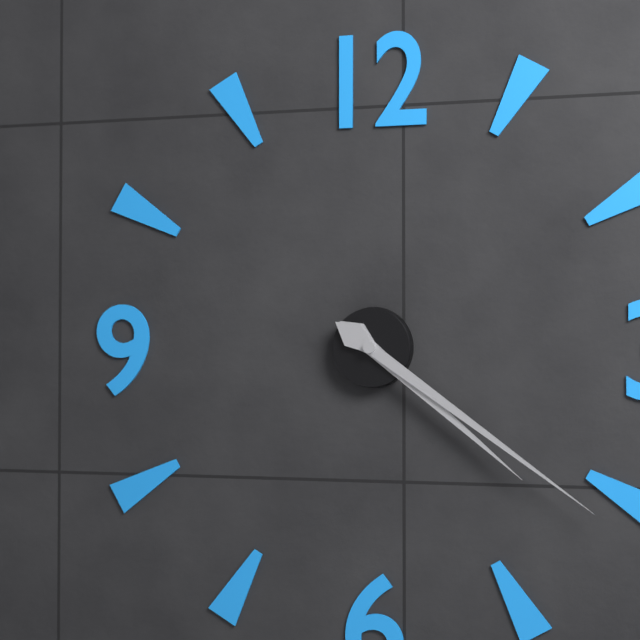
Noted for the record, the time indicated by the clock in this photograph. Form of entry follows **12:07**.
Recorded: **4:21**
